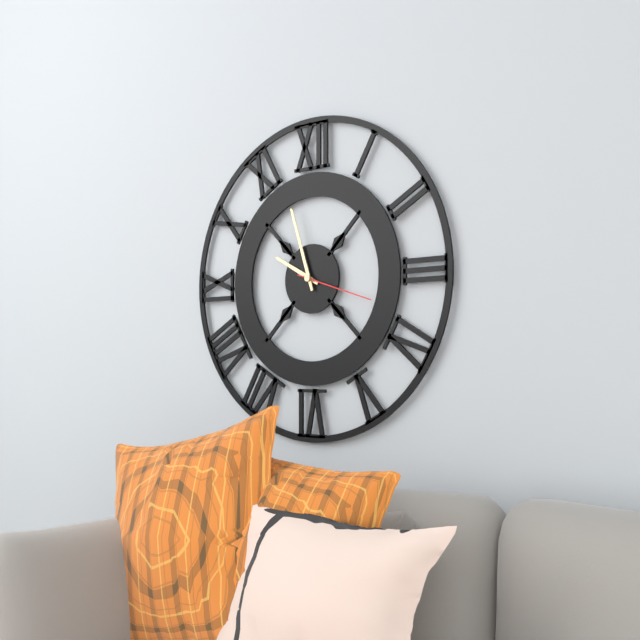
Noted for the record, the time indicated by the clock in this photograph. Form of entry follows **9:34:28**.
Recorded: **9:57:18**
